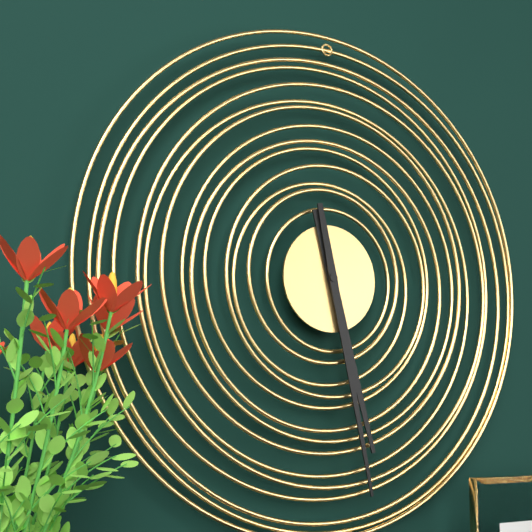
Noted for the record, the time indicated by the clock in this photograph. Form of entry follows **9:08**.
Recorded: **5:28**
